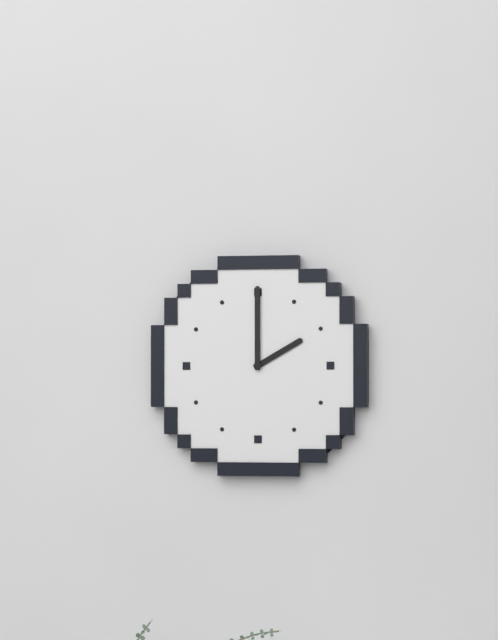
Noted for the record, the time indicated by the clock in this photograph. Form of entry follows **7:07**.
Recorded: **2:00**
